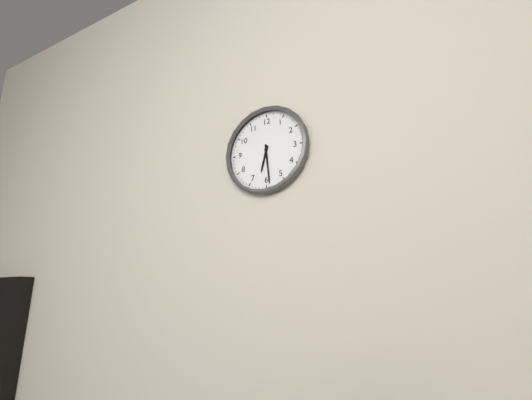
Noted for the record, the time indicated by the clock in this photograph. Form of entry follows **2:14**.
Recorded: **6:29**
